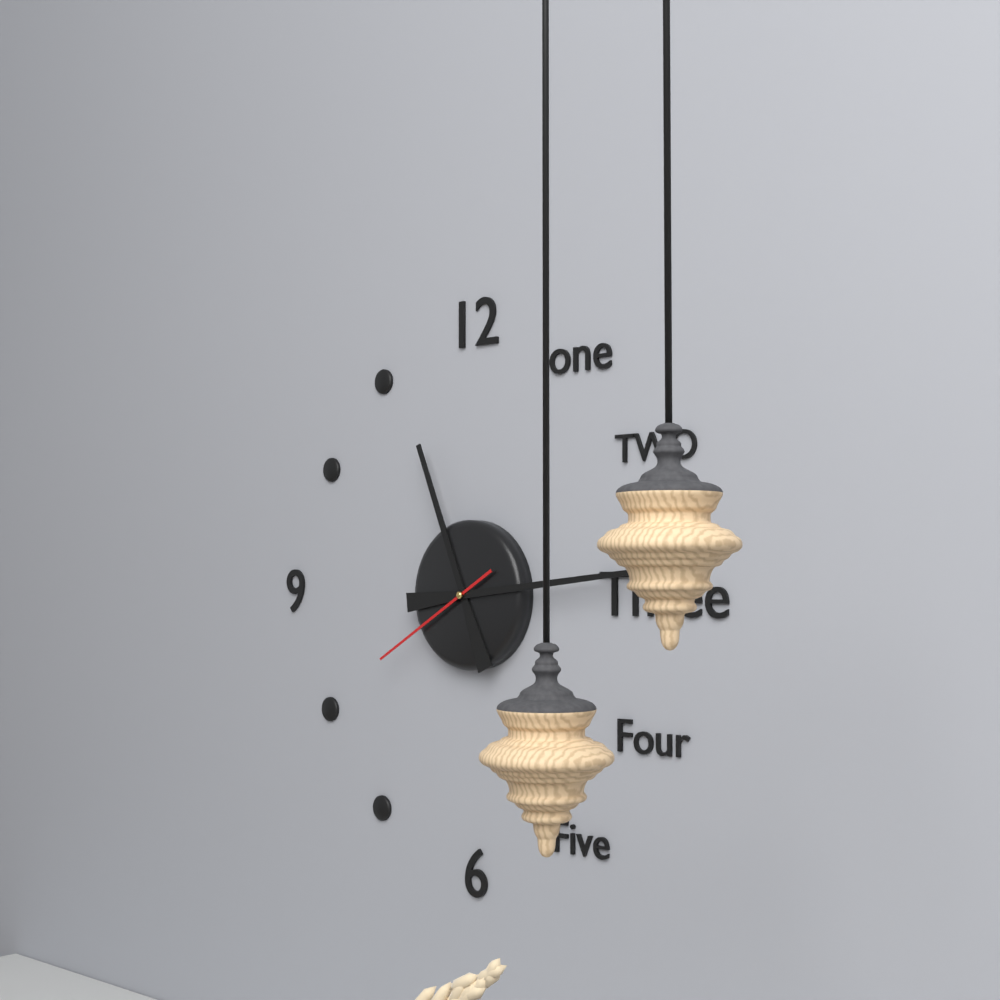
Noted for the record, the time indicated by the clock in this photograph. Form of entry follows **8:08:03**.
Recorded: **11:14:40**
